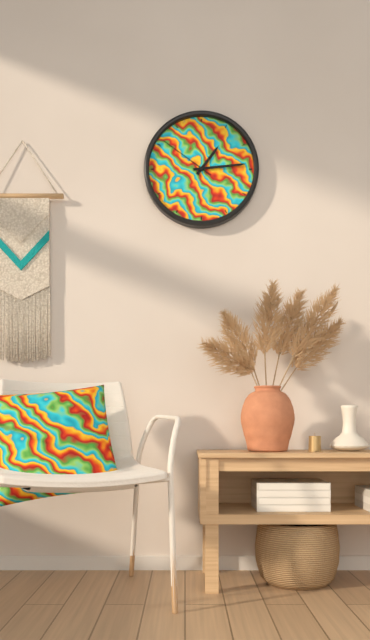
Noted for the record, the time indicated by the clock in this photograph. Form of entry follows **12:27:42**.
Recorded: **1:14:51**
